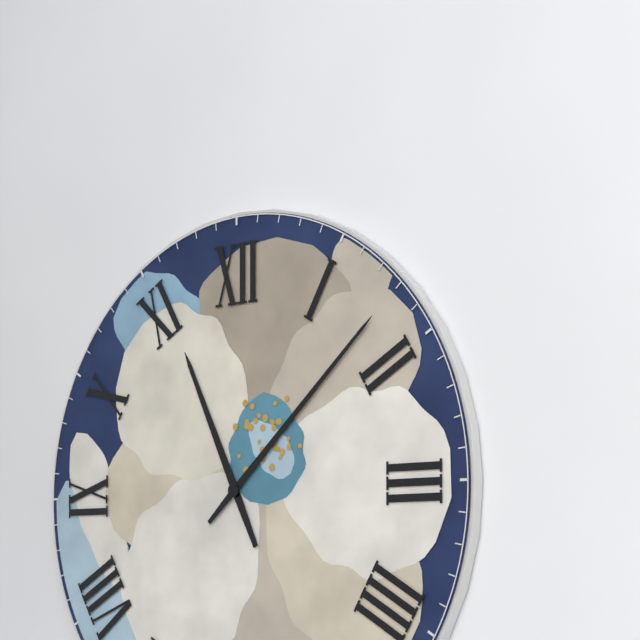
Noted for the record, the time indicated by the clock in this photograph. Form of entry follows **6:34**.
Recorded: **11:08**
